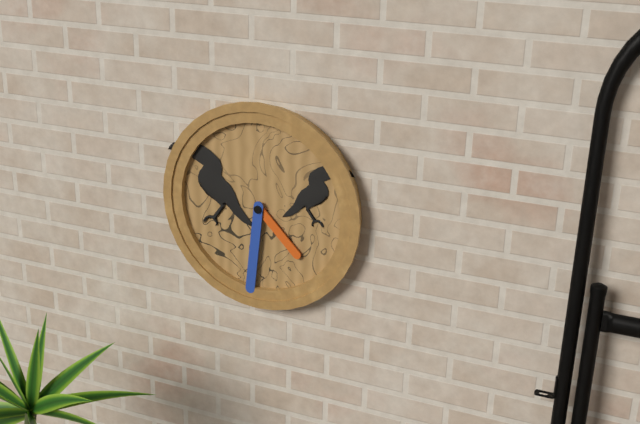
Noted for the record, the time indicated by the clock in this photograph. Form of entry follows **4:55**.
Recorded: **4:31**
